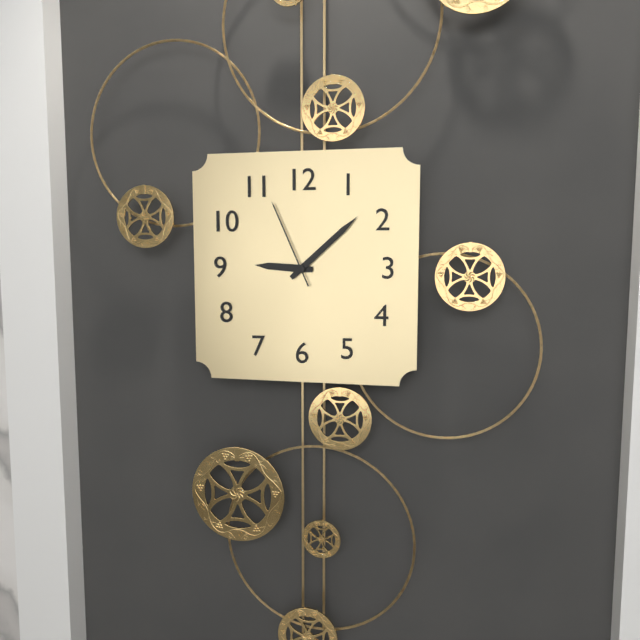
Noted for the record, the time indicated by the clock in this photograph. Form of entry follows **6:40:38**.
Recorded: **9:08:56**
